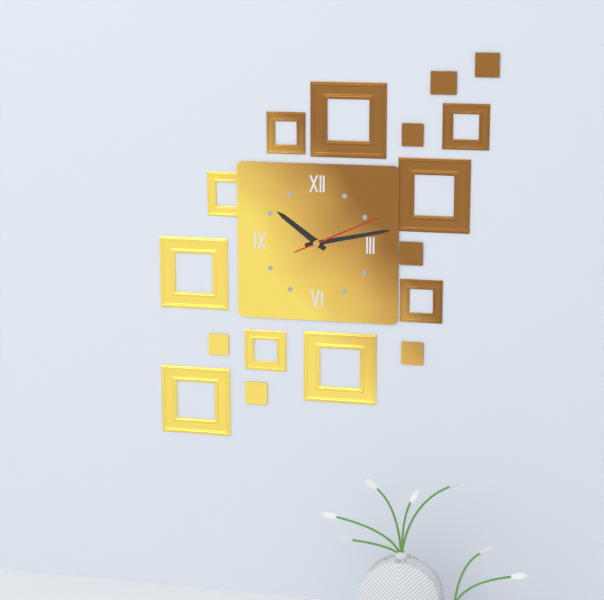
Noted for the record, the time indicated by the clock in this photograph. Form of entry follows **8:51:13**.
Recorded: **10:13:11**
